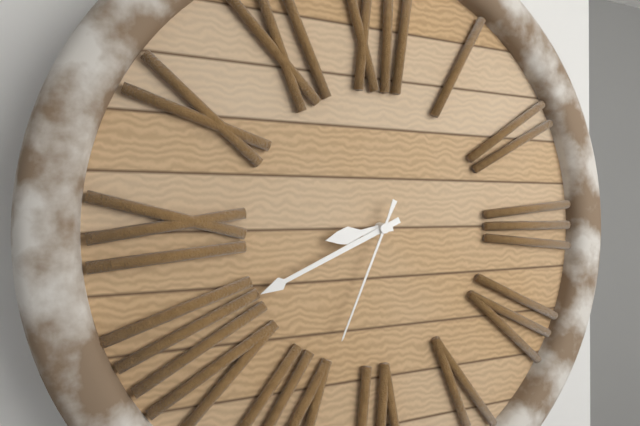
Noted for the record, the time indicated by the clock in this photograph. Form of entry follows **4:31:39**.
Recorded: **8:41:34**
